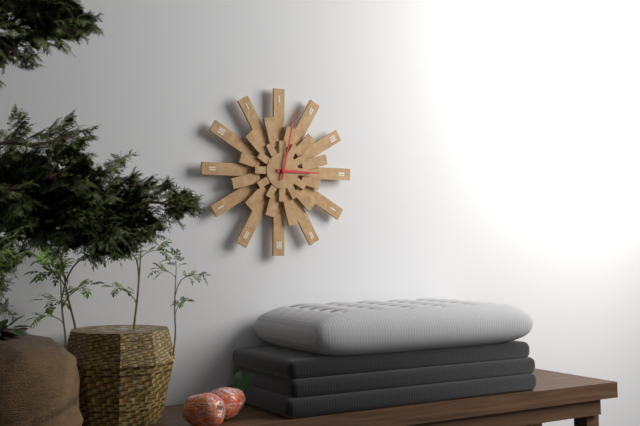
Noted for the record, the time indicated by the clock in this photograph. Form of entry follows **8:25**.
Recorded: **3:02**
